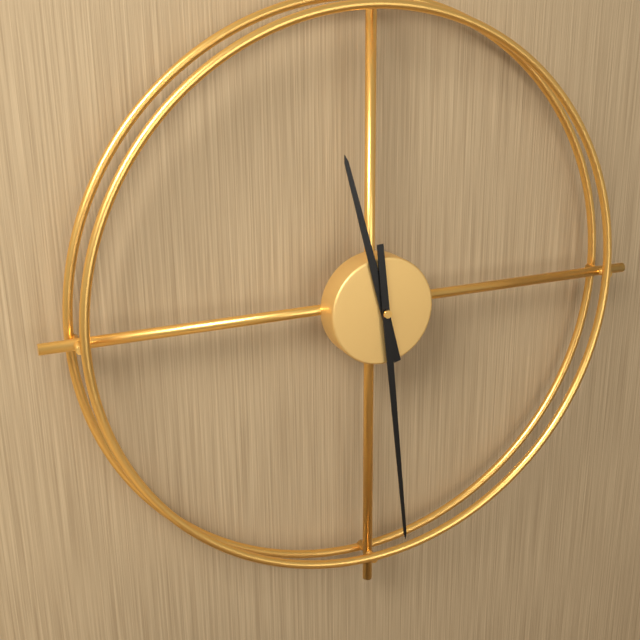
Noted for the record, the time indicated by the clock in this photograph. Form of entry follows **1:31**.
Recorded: **11:29**
